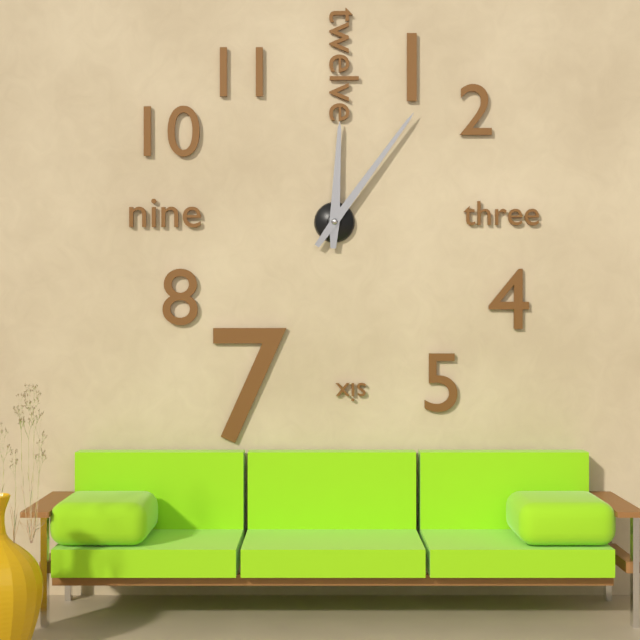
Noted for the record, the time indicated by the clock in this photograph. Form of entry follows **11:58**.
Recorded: **12:06**
